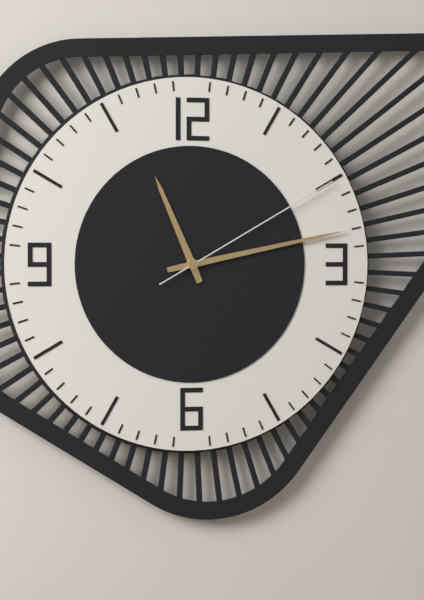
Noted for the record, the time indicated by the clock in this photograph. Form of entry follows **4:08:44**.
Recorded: **11:13:10**
